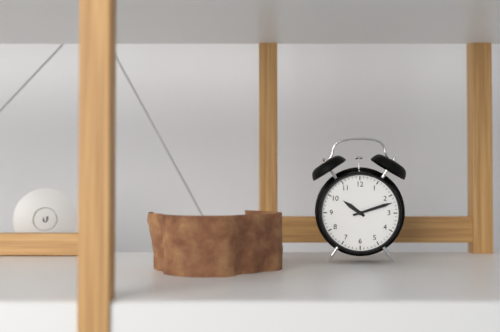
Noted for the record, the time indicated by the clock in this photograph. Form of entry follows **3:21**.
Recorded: **10:12**
